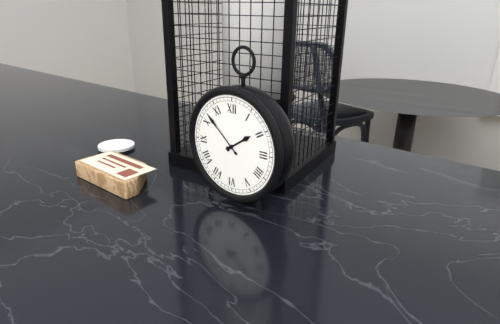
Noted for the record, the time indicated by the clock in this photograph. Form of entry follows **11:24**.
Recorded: **1:52**
